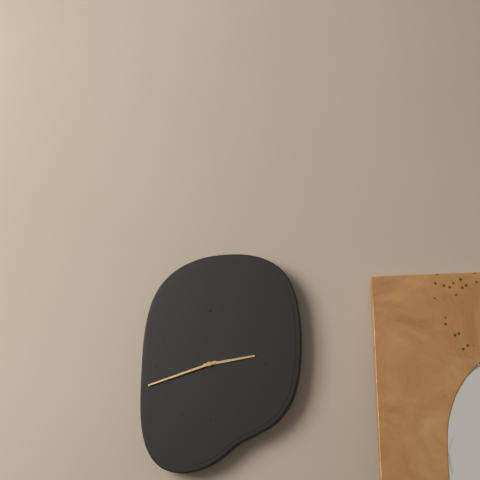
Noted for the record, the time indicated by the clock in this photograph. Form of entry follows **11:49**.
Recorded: **2:42**
